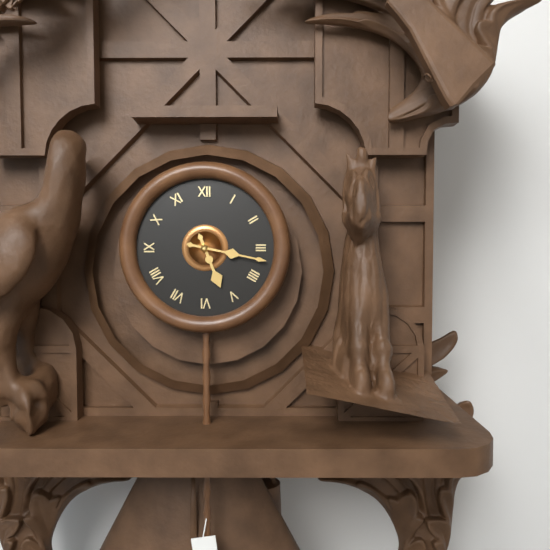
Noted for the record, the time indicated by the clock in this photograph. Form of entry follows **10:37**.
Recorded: **5:17**
